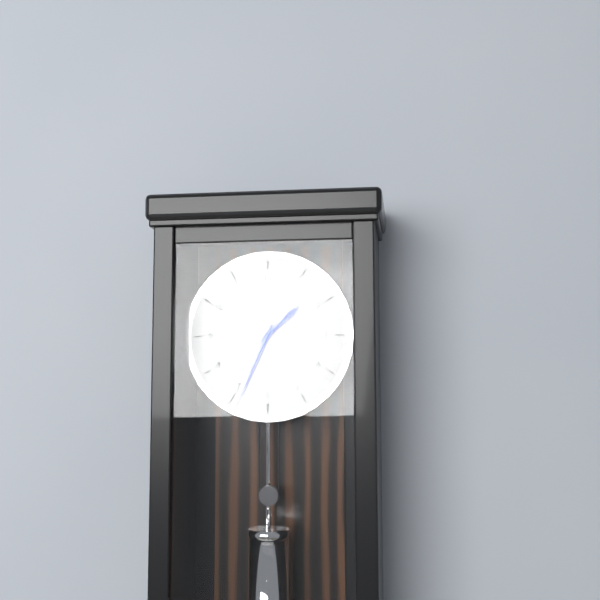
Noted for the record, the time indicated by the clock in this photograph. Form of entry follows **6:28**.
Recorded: **1:34**
